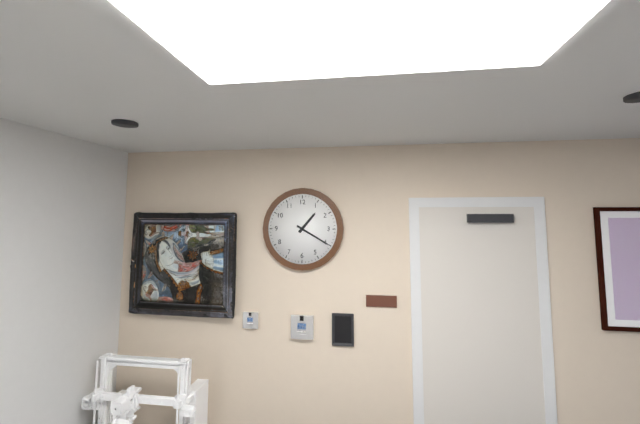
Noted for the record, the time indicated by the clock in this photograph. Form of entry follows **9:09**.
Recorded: **1:20**
